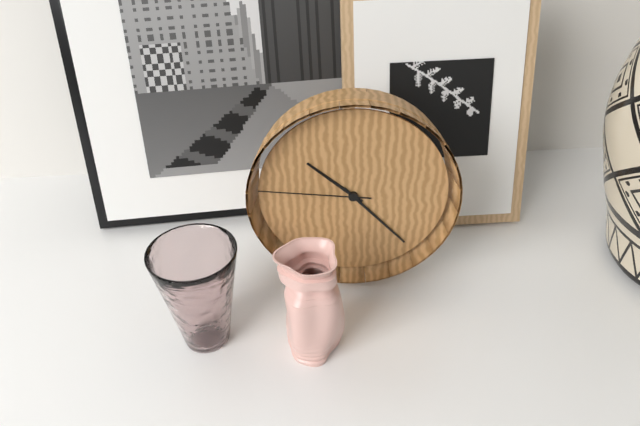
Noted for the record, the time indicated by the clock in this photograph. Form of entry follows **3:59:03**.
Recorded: **10:23:46**
